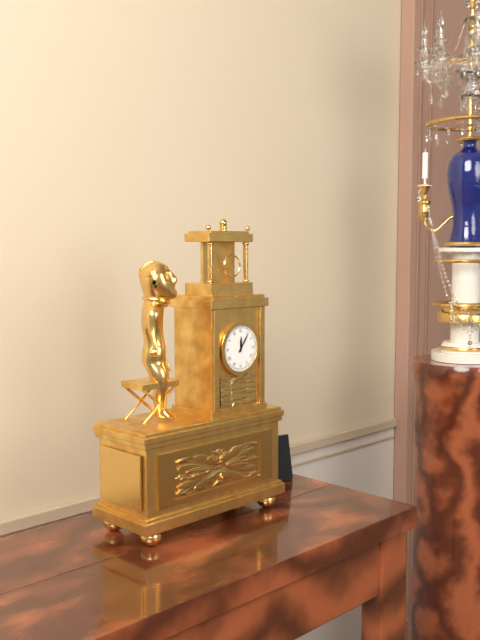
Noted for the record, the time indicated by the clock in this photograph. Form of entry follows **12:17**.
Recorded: **12:06**
